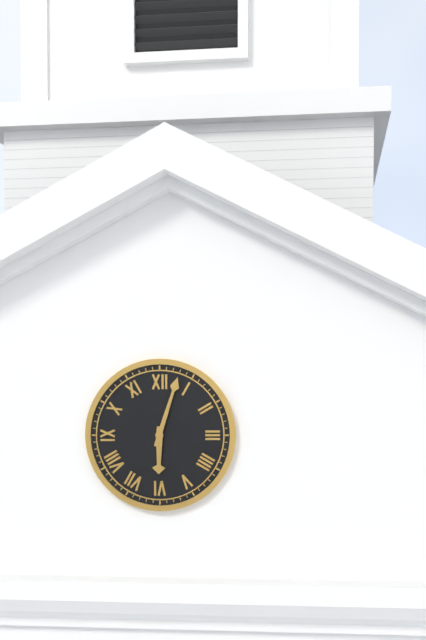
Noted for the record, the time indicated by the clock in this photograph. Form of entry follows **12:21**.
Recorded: **6:03**
